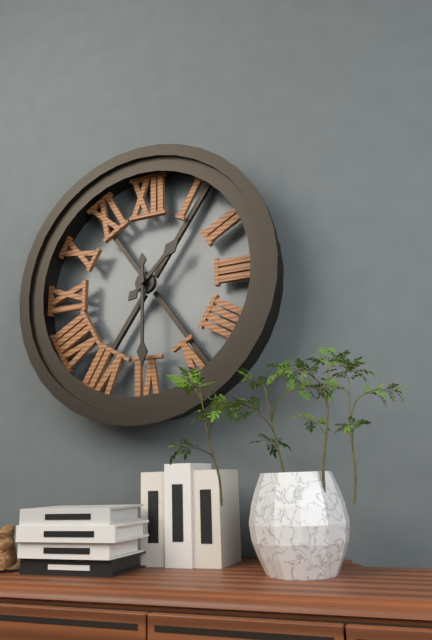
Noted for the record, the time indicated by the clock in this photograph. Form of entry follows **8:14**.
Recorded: **1:30**
